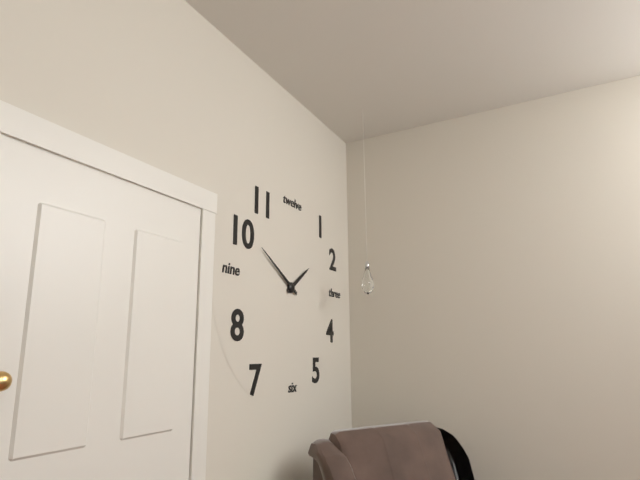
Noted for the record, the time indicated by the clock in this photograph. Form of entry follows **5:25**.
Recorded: **1:50**
